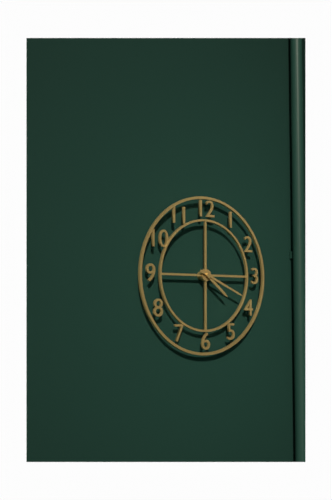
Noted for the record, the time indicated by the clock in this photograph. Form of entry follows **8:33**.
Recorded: **4:19**
